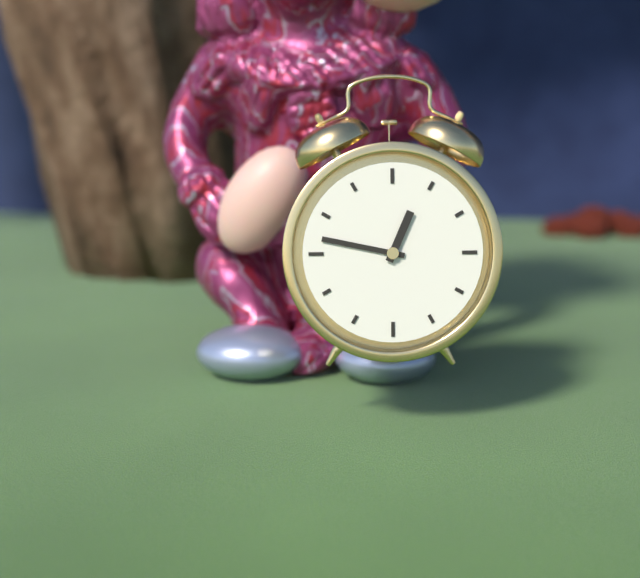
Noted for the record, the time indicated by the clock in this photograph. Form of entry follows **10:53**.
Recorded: **12:47**
